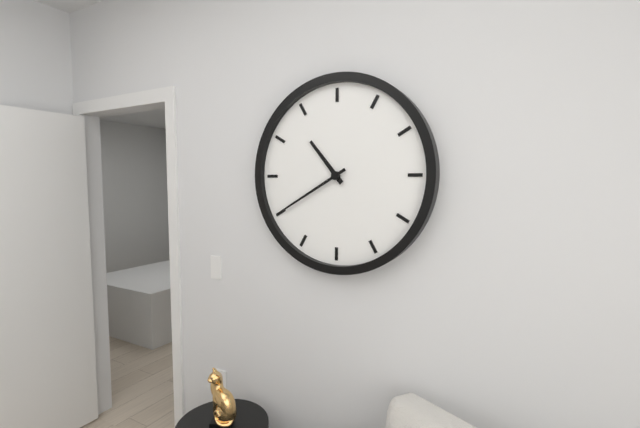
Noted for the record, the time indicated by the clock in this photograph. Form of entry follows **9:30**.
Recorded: **10:40**
